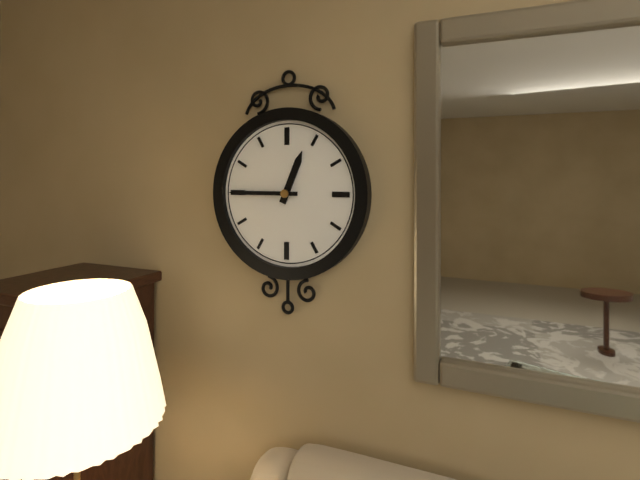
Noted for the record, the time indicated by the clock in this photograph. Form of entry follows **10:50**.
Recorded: **12:45**
